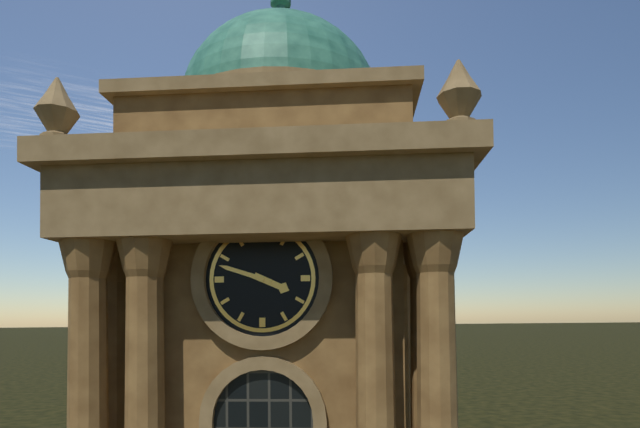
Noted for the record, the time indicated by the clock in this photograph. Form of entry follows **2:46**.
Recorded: **3:48**
